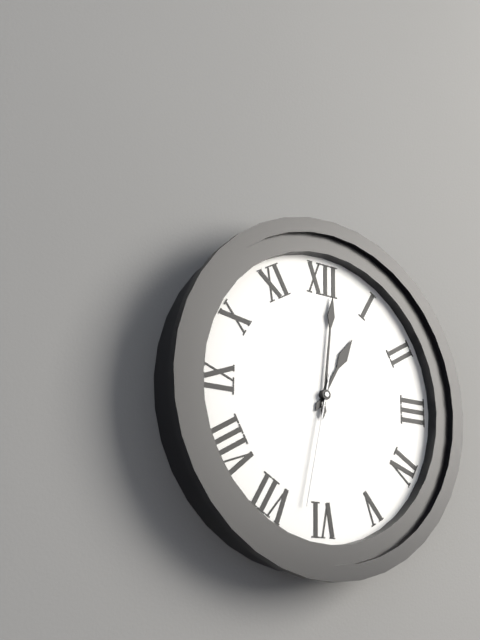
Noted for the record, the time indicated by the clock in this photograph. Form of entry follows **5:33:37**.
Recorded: **1:01:32**
